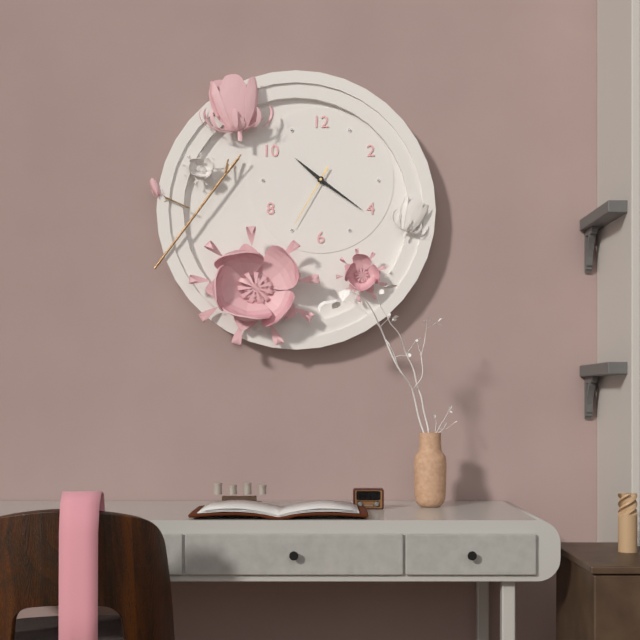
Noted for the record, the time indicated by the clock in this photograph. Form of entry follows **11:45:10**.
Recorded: **10:21:35**
